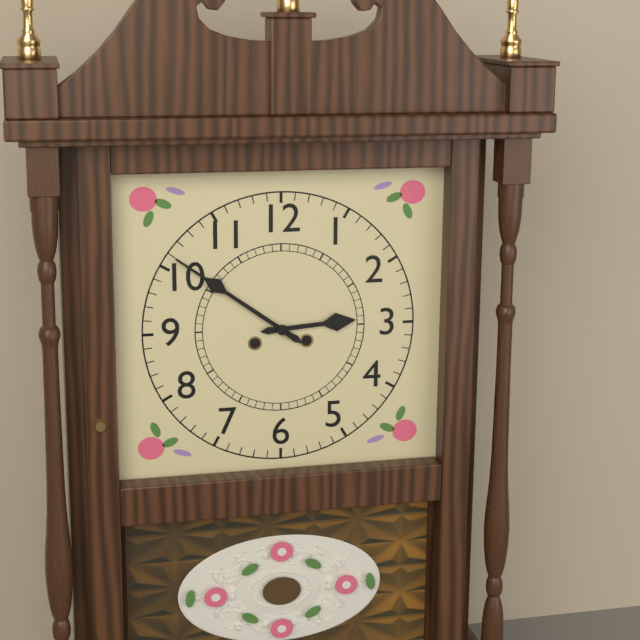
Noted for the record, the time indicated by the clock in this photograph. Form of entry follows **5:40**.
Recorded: **2:51**
